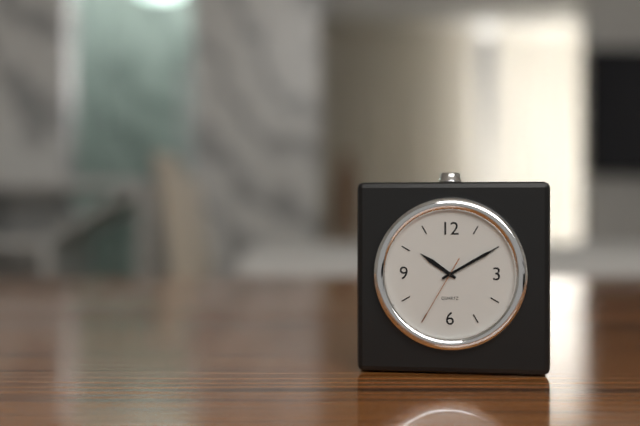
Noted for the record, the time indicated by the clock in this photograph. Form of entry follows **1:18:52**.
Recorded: **10:10:35**
